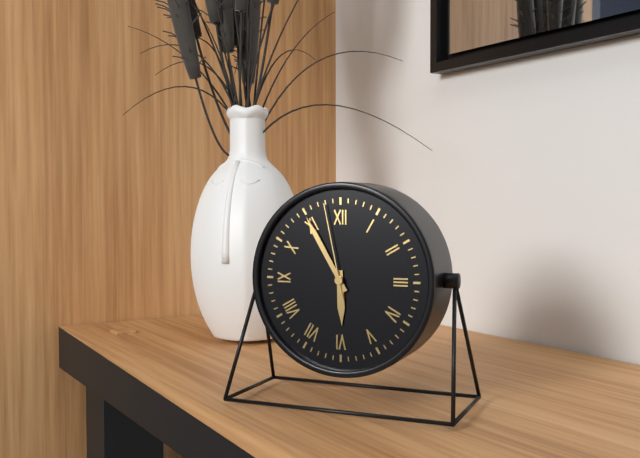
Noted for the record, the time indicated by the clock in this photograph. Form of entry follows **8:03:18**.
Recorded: **5:55:58**
